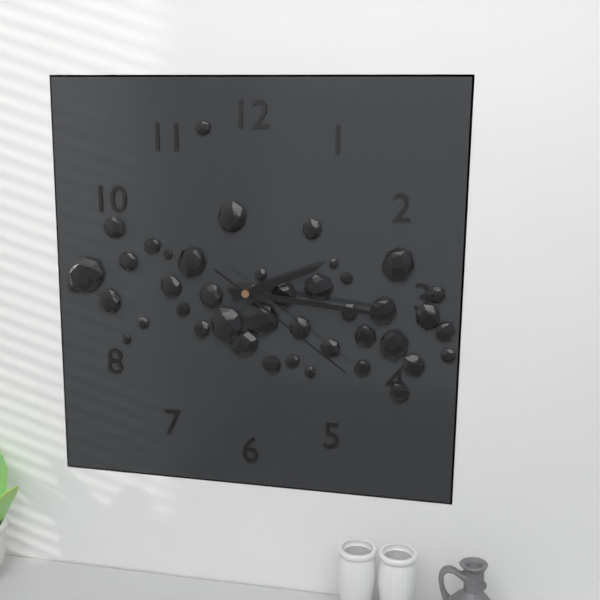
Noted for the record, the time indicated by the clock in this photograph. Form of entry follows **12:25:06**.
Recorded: **2:16:21**
